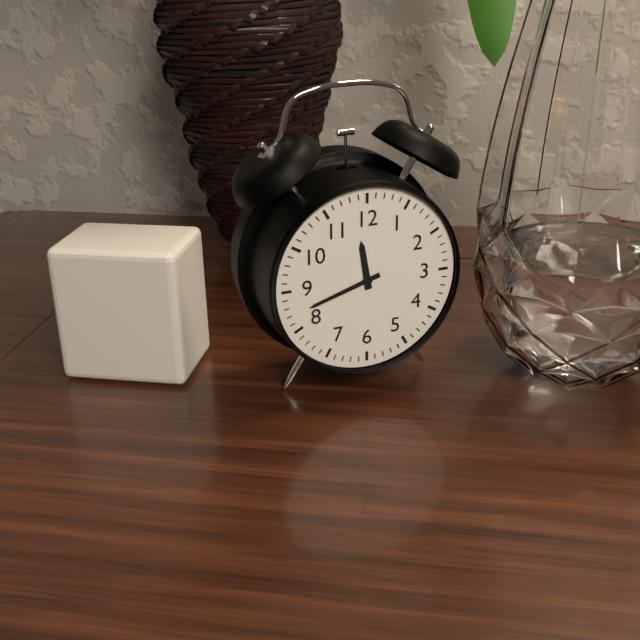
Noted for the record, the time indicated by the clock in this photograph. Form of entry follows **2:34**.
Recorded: **11:42**
